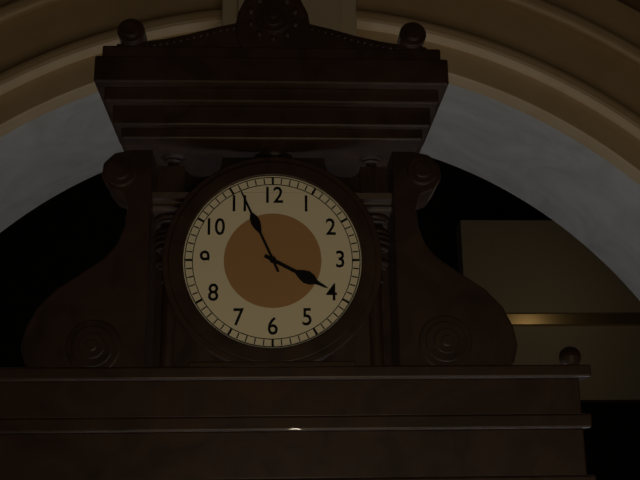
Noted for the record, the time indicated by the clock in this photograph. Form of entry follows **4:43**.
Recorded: **3:56**
